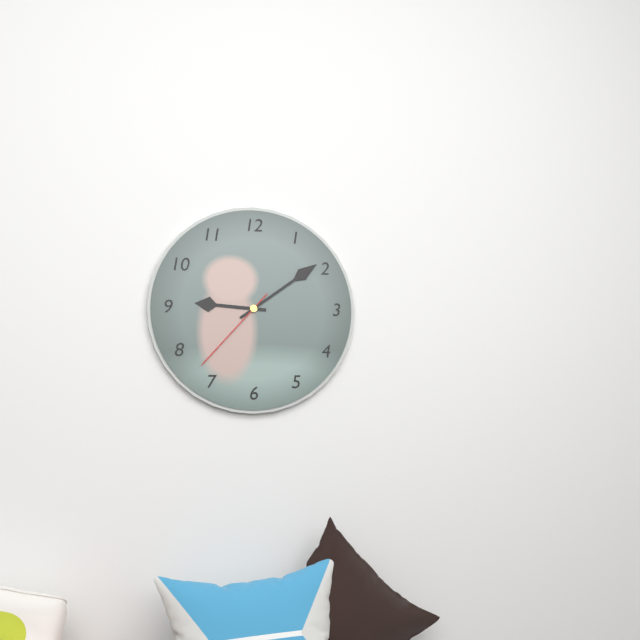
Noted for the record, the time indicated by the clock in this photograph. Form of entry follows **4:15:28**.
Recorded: **9:09:37**
